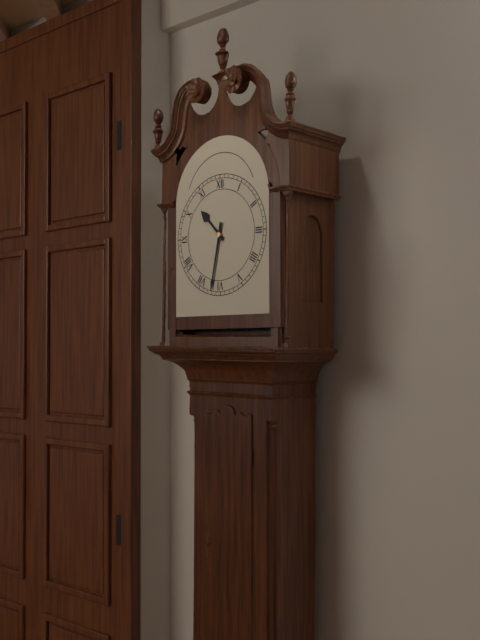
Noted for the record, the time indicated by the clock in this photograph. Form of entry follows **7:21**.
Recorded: **10:32**
